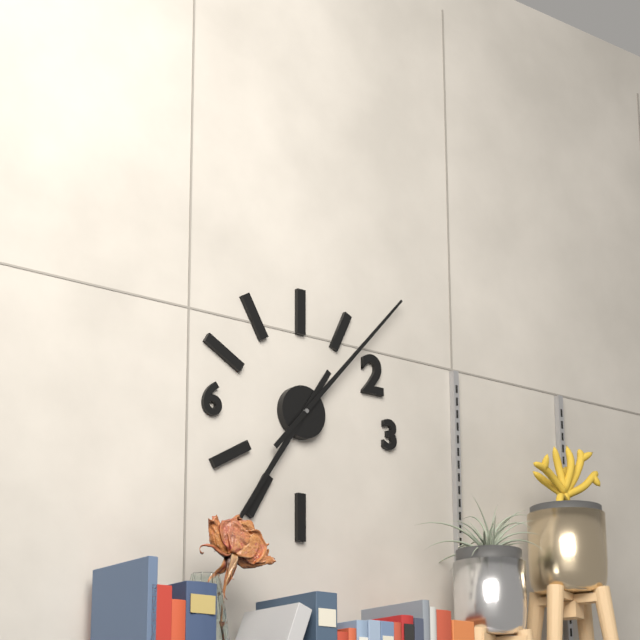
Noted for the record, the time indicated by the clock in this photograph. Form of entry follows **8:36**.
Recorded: **7:07**
